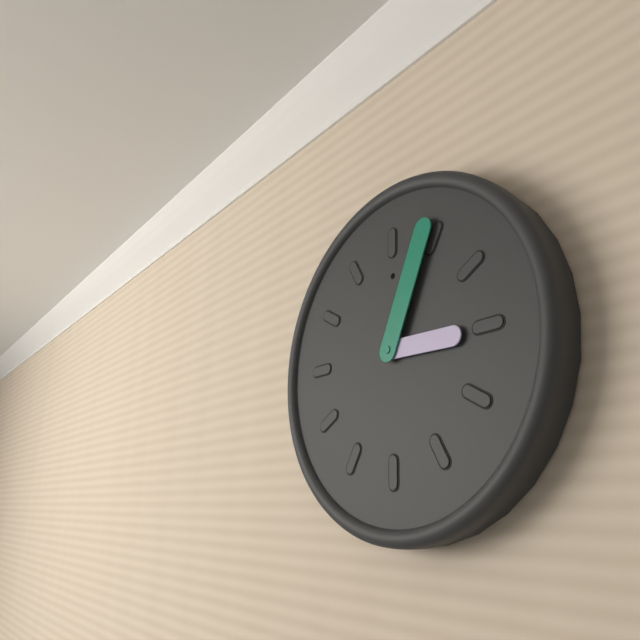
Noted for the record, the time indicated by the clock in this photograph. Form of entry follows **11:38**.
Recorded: **3:04**
